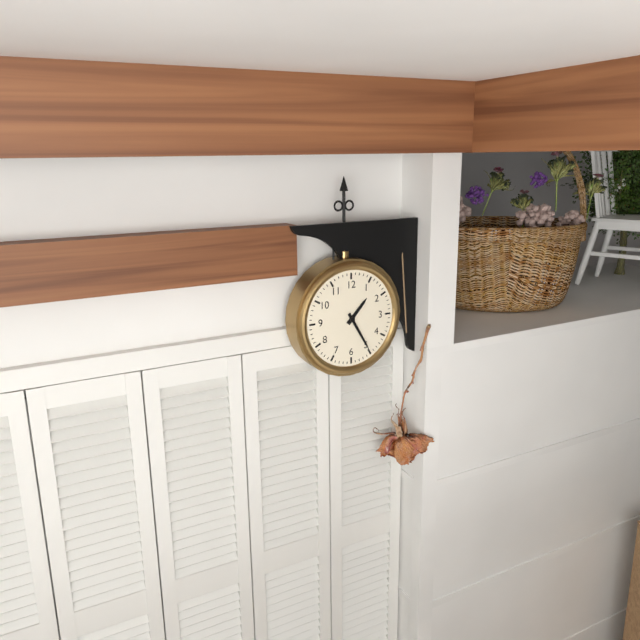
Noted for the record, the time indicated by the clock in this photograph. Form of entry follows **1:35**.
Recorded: **1:25**
